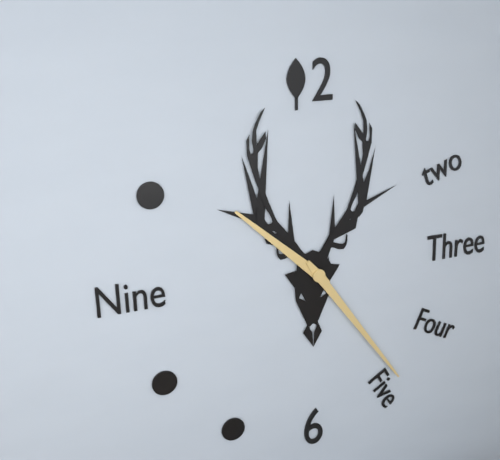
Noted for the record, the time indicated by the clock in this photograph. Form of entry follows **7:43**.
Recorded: **10:24**
